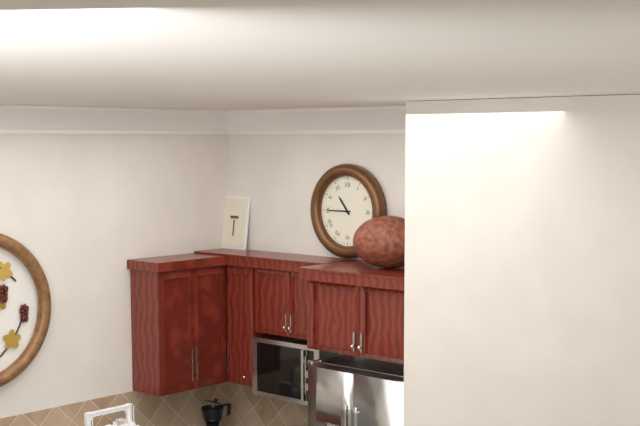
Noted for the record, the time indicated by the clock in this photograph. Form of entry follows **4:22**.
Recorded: **10:45**
